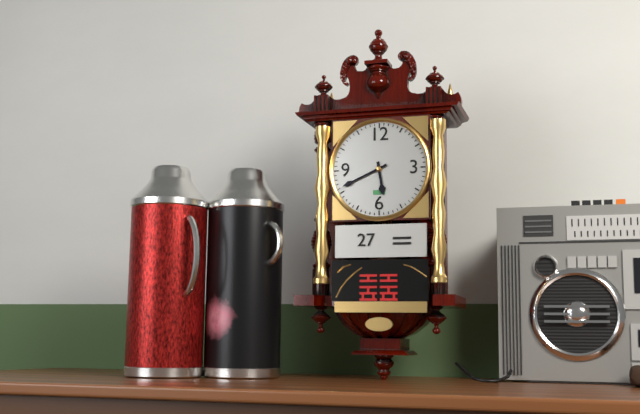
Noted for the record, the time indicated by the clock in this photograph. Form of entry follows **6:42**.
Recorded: **5:41**
